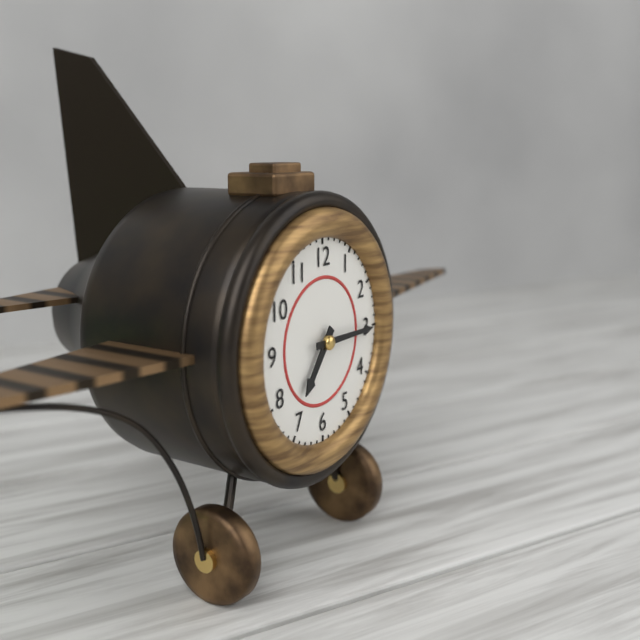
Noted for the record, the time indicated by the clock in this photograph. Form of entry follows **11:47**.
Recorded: **7:15**
